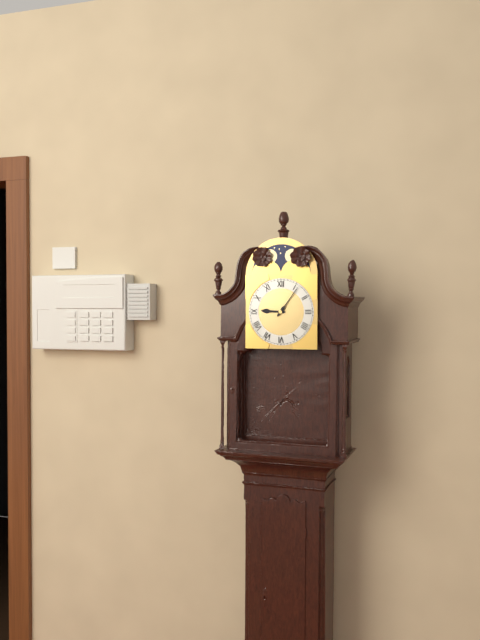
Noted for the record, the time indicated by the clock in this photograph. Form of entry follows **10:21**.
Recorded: **9:06**
